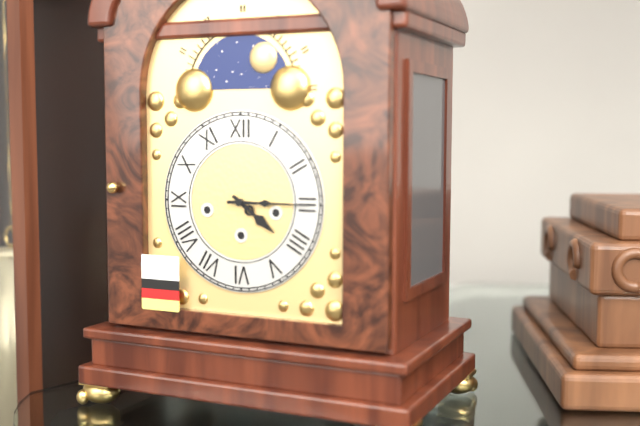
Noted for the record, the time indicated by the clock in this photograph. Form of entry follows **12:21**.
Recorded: **4:15**
